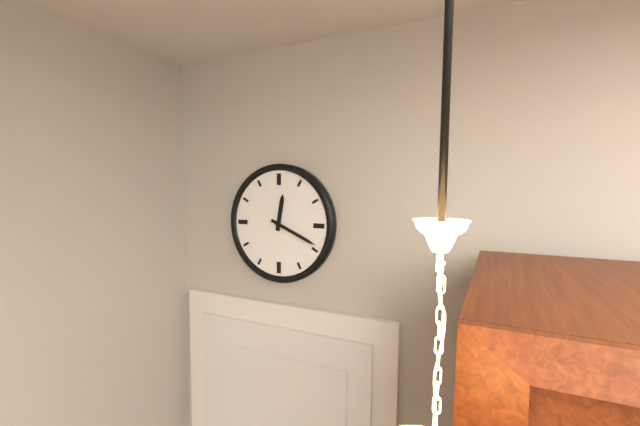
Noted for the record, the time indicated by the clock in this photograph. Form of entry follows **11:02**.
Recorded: **12:19**
